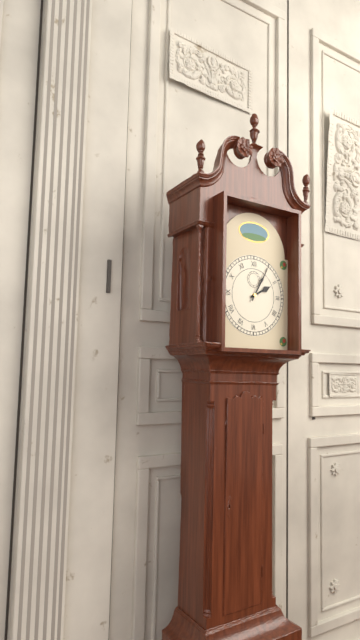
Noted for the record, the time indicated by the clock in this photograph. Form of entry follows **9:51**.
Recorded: **2:05**
